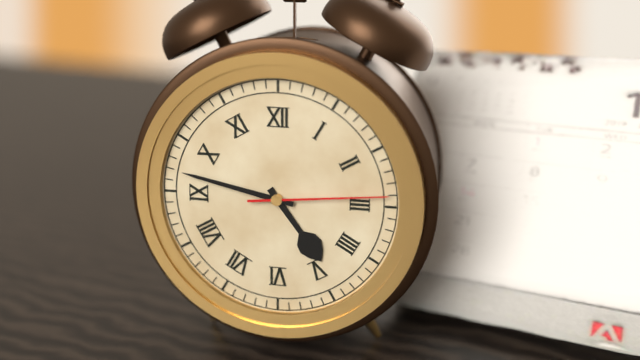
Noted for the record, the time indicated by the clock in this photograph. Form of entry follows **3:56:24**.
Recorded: **4:47:14**
